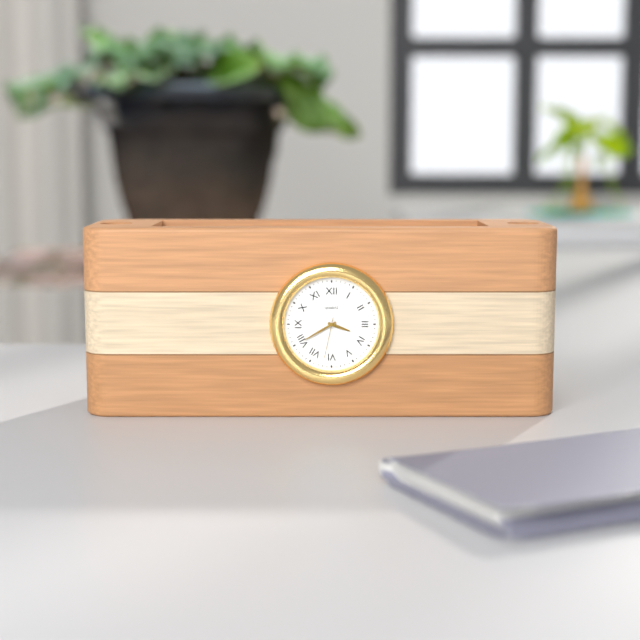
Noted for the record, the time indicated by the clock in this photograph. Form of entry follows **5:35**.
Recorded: **3:40**
